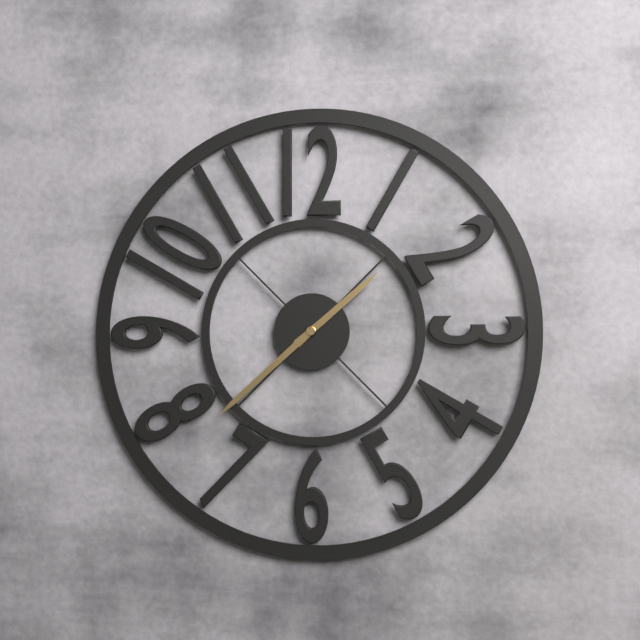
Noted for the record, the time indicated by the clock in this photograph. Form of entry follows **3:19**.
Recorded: **1:38**
